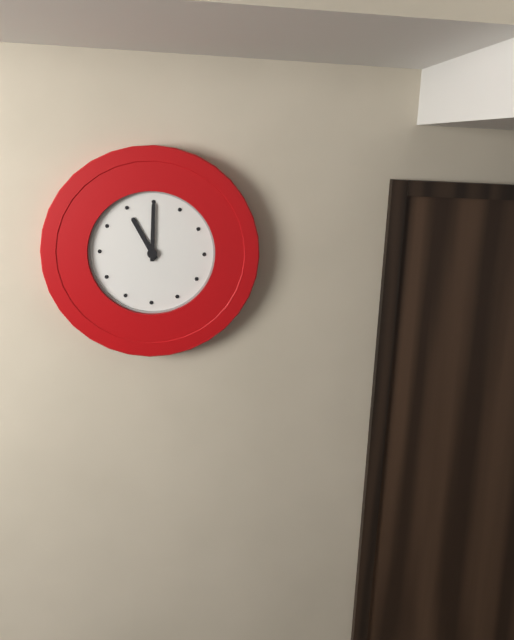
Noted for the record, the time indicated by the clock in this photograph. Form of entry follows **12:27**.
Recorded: **11:00**
